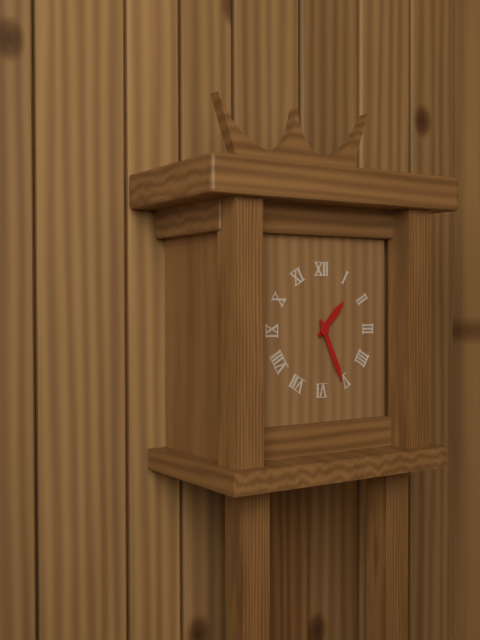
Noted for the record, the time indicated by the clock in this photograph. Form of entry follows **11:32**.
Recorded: **1:26**
